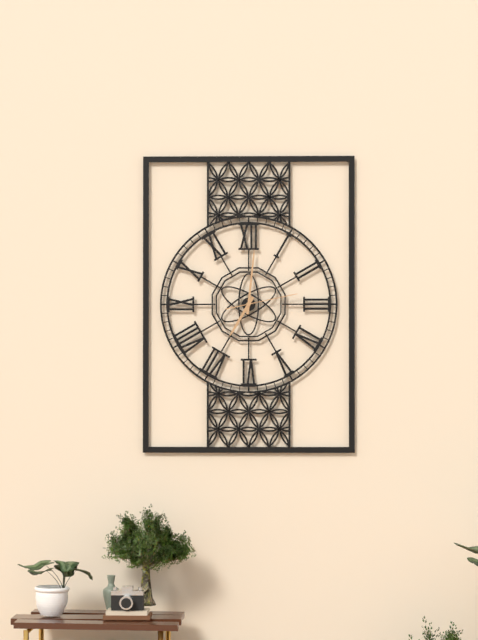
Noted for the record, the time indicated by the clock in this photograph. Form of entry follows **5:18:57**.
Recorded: **7:01:13**
